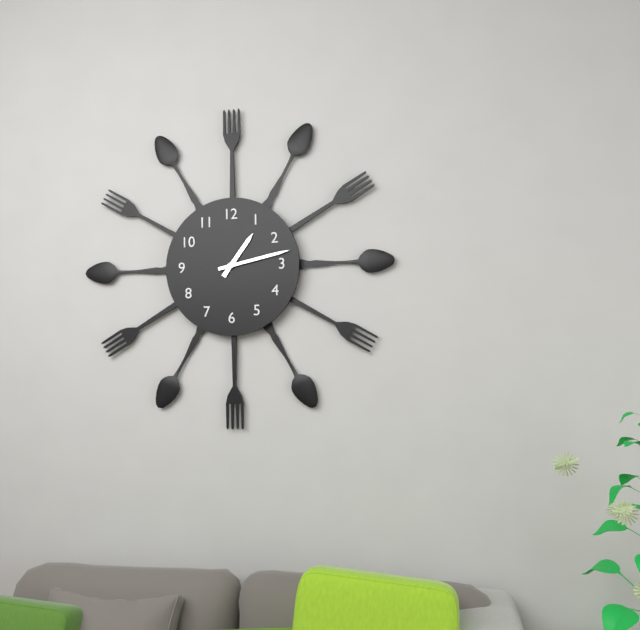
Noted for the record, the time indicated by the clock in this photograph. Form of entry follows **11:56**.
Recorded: **1:13**
